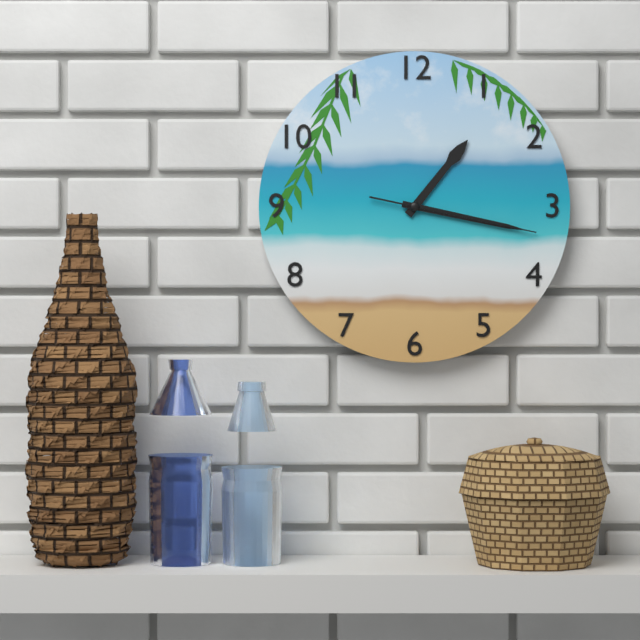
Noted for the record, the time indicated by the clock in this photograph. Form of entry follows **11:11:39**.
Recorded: **1:17:17**
